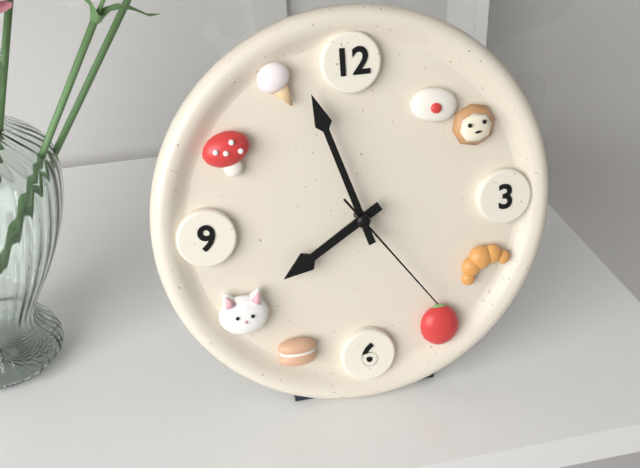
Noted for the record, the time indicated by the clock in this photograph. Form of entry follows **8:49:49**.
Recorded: **7:57:24**
